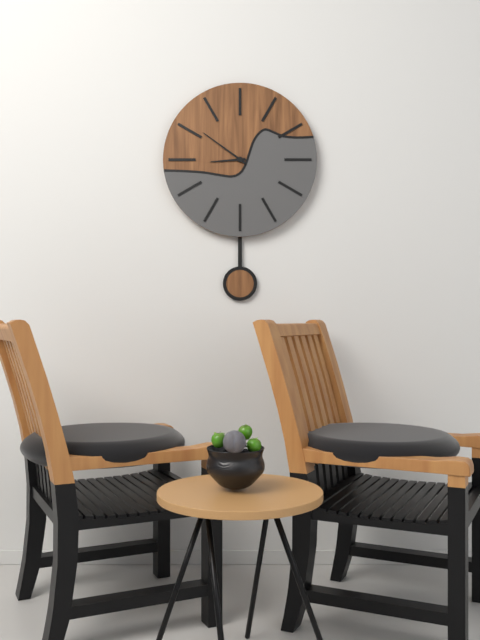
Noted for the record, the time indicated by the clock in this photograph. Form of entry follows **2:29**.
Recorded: **8:51**
